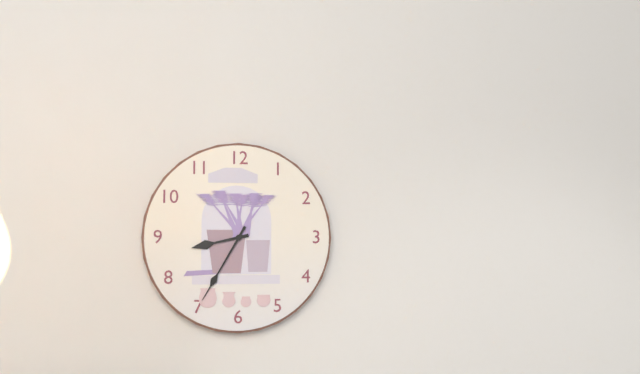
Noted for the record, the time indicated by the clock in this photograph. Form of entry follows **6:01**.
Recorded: **8:35**
